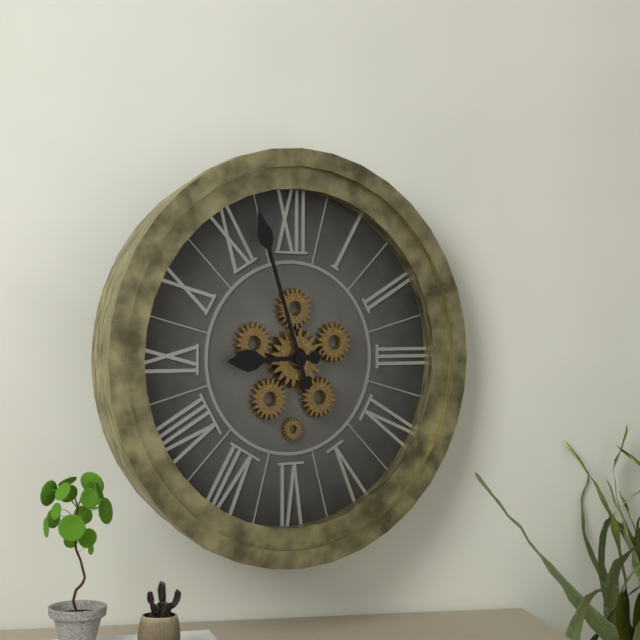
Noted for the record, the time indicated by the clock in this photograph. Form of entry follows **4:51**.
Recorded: **8:57**
